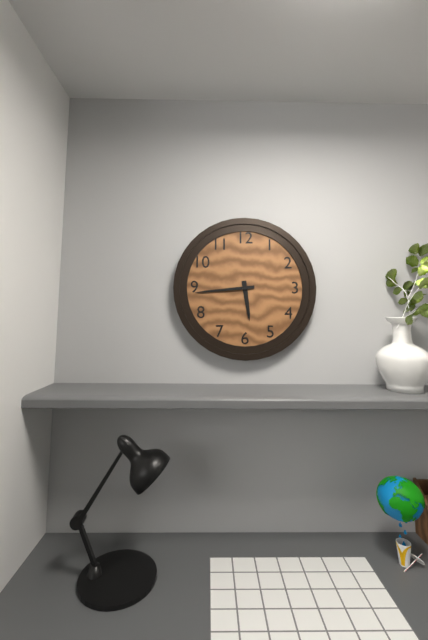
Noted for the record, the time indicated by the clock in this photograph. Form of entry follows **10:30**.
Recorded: **5:44**
